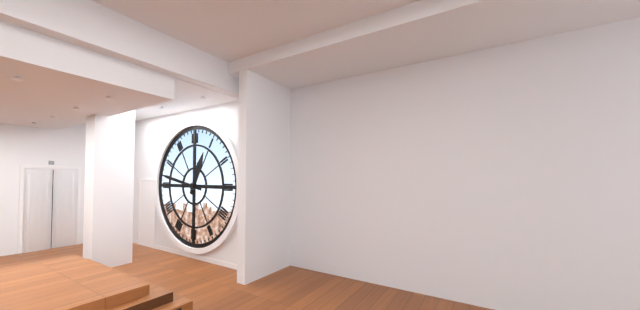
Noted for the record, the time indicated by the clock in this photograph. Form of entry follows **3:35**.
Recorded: **12:47**
